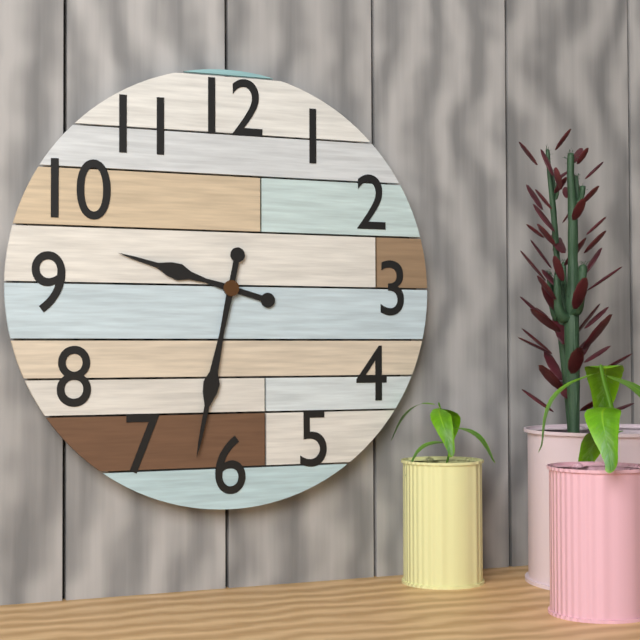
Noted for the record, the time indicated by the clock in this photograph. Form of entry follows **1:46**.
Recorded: **9:32**
